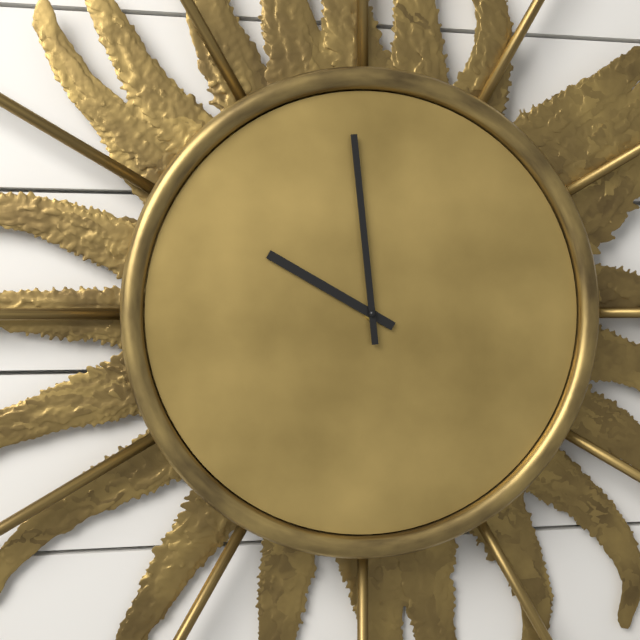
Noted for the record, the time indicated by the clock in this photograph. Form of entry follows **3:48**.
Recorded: **9:59**
